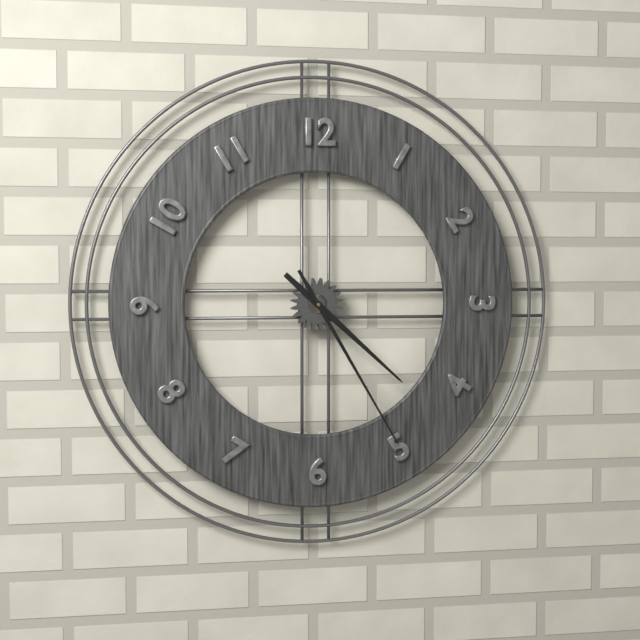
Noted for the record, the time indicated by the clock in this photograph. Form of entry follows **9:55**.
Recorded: **4:25**
